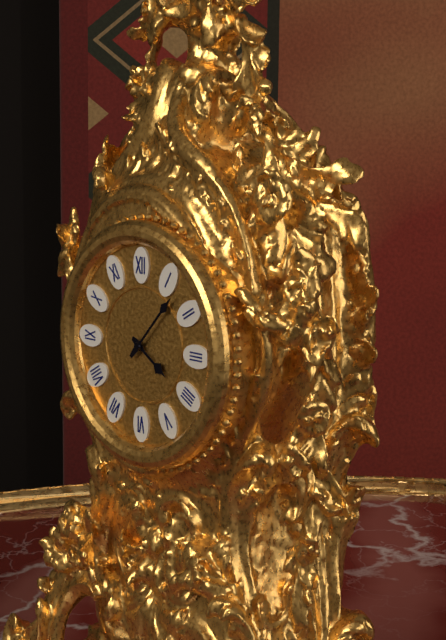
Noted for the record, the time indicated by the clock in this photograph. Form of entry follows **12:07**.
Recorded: **4:07**
